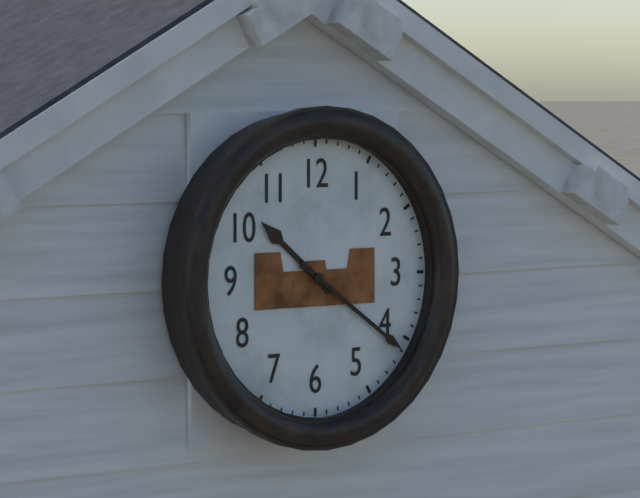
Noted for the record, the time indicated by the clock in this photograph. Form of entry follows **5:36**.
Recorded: **10:21**
